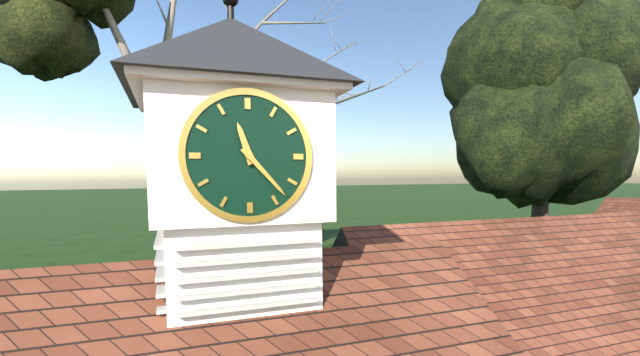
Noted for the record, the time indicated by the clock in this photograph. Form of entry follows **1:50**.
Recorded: **11:23**
